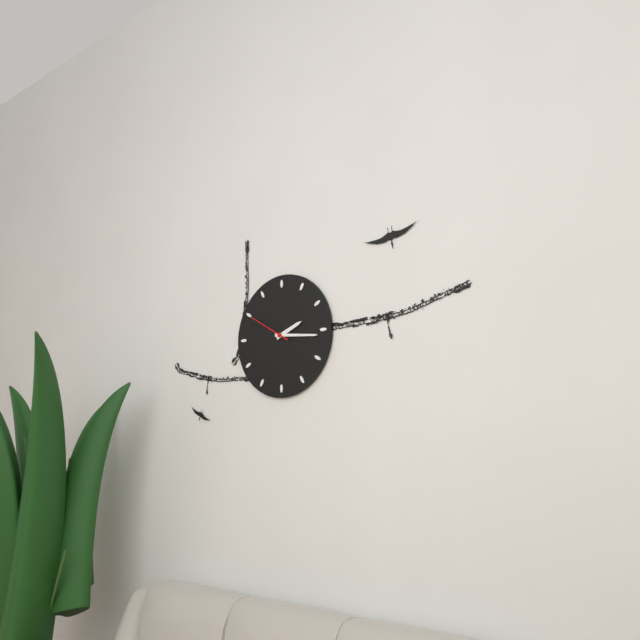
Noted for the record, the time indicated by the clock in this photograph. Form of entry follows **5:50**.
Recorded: **2:16**
